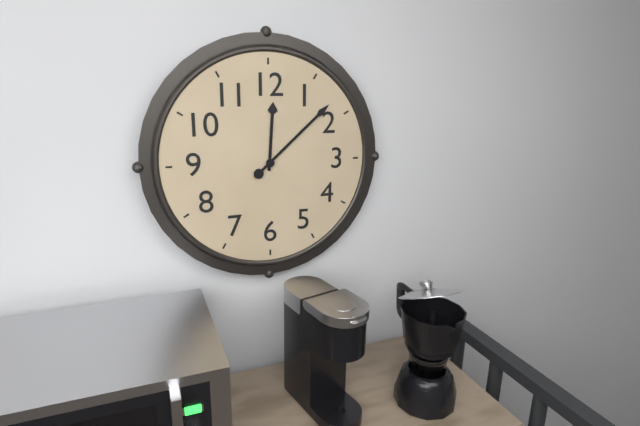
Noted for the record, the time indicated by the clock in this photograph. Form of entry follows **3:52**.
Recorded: **12:08**
